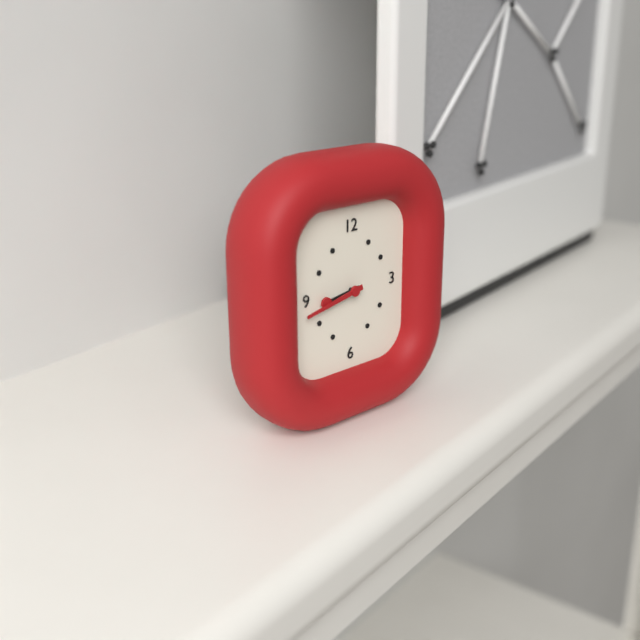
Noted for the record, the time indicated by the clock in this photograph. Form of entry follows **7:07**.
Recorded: **8:43**
